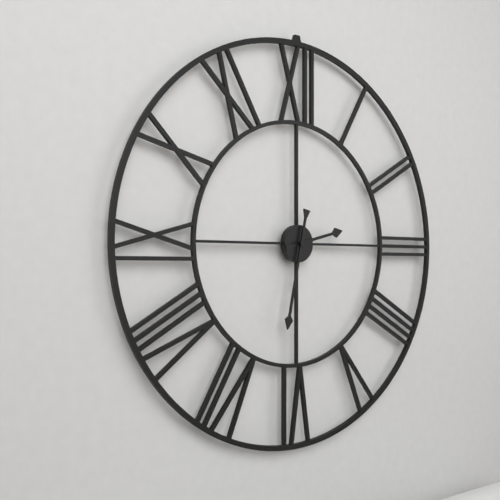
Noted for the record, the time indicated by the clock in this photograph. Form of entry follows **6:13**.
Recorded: **2:32**
